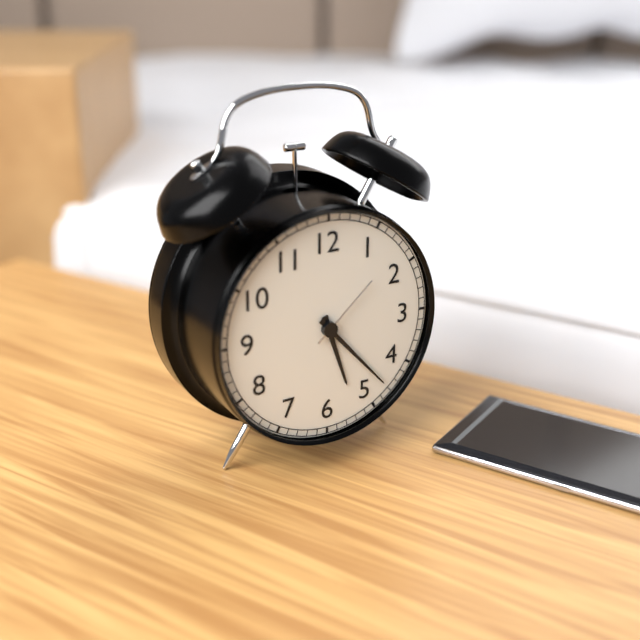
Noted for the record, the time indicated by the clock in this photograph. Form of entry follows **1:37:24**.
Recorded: **5:23:08**
